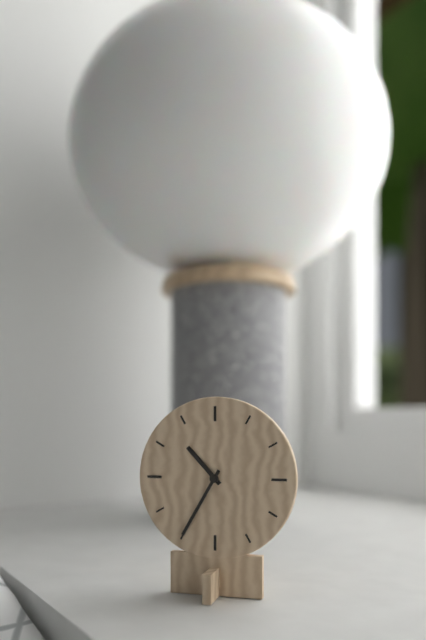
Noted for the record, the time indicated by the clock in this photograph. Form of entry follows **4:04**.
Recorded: **10:35**
